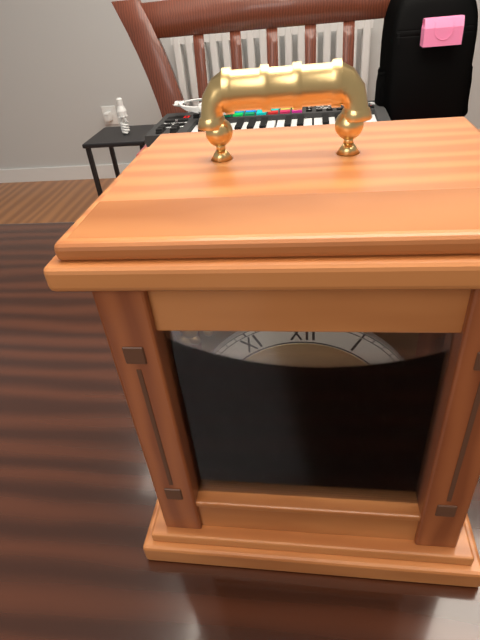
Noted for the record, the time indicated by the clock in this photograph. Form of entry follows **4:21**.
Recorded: **7:13**
